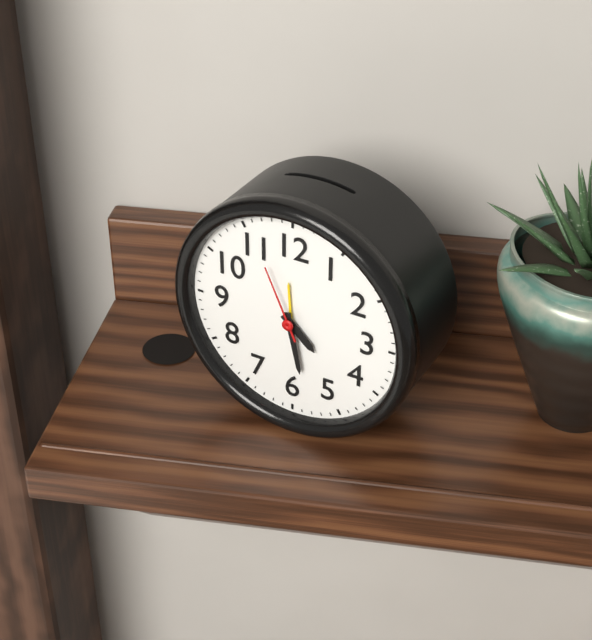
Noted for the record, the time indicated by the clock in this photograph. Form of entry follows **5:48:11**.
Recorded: **4:28:56**
